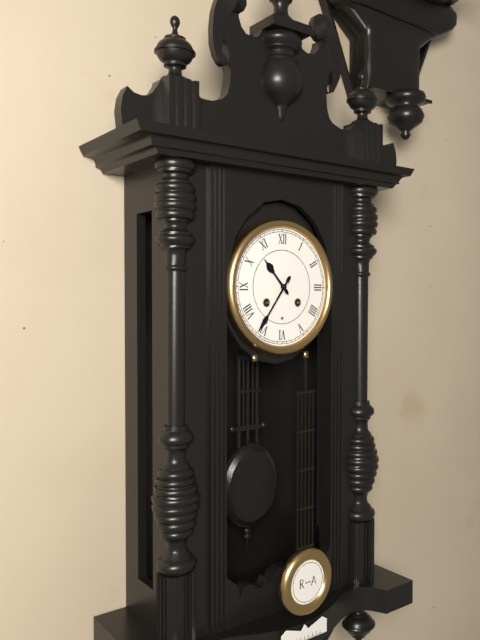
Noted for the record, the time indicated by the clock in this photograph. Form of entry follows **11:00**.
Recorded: **10:36**
